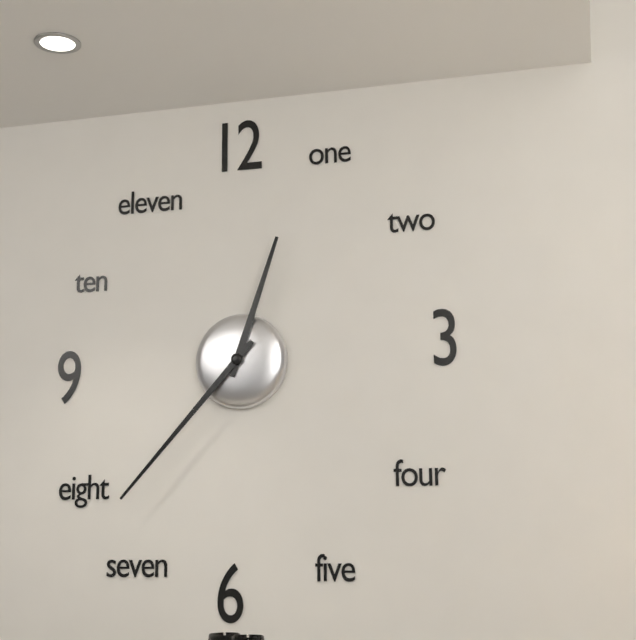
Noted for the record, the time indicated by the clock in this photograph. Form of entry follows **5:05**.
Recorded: **12:37**
